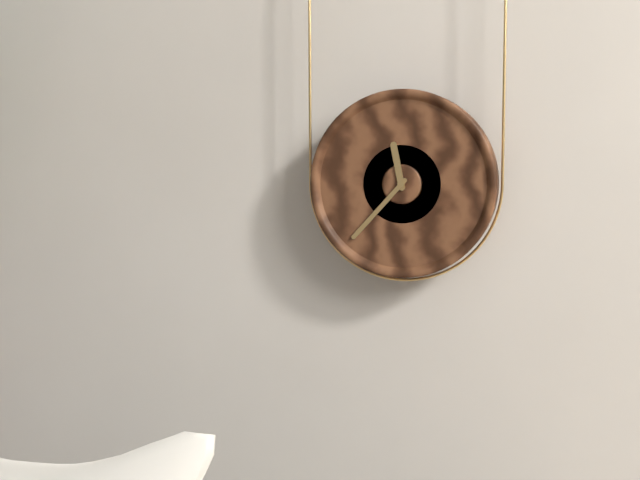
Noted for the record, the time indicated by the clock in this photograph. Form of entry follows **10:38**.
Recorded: **11:37**
